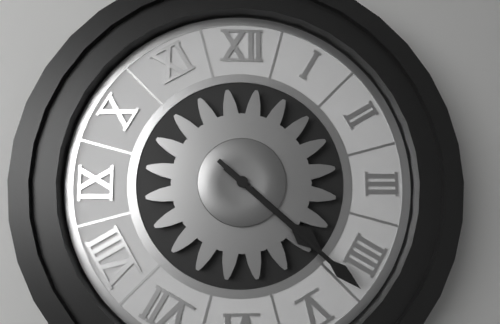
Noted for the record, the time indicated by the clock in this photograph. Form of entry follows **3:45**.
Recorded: **4:22**
